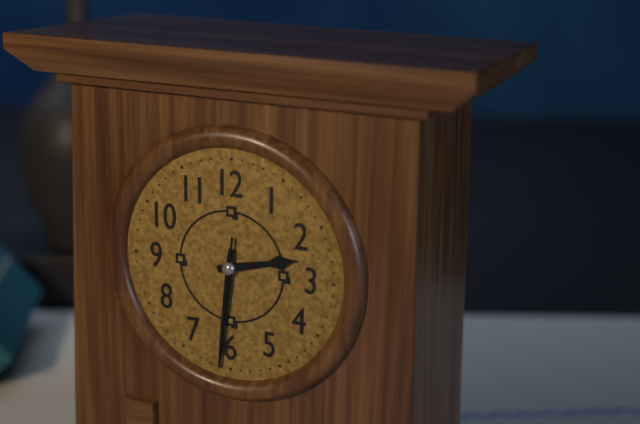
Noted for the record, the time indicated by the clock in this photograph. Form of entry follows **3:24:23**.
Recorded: **2:31:31**
